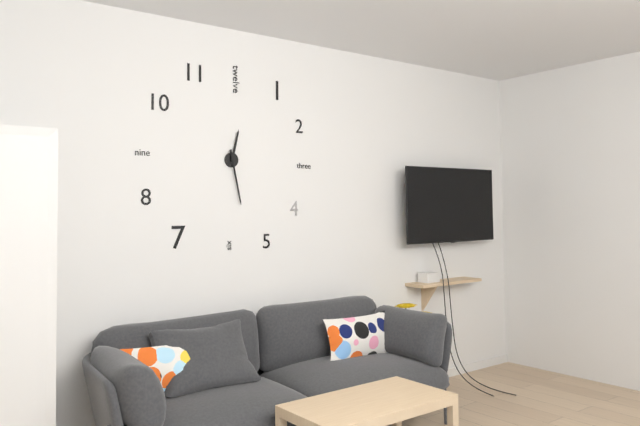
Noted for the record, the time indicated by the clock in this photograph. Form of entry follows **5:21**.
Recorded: **12:28**
